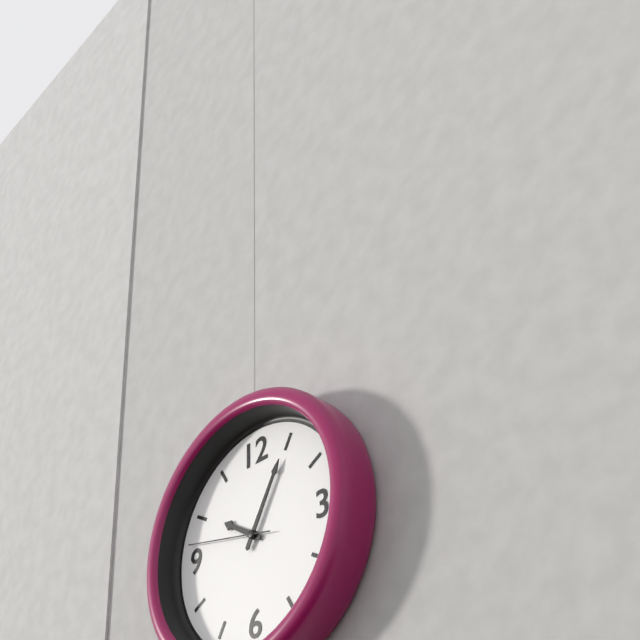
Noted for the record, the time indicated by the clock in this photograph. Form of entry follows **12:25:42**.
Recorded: **10:05:47**
